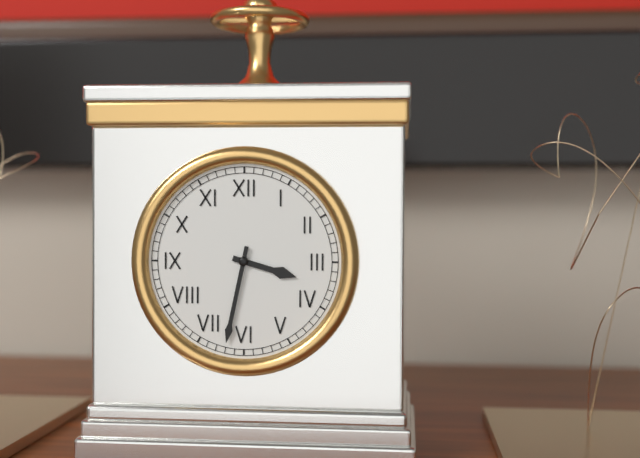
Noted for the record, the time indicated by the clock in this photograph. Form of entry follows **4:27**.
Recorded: **3:32**
